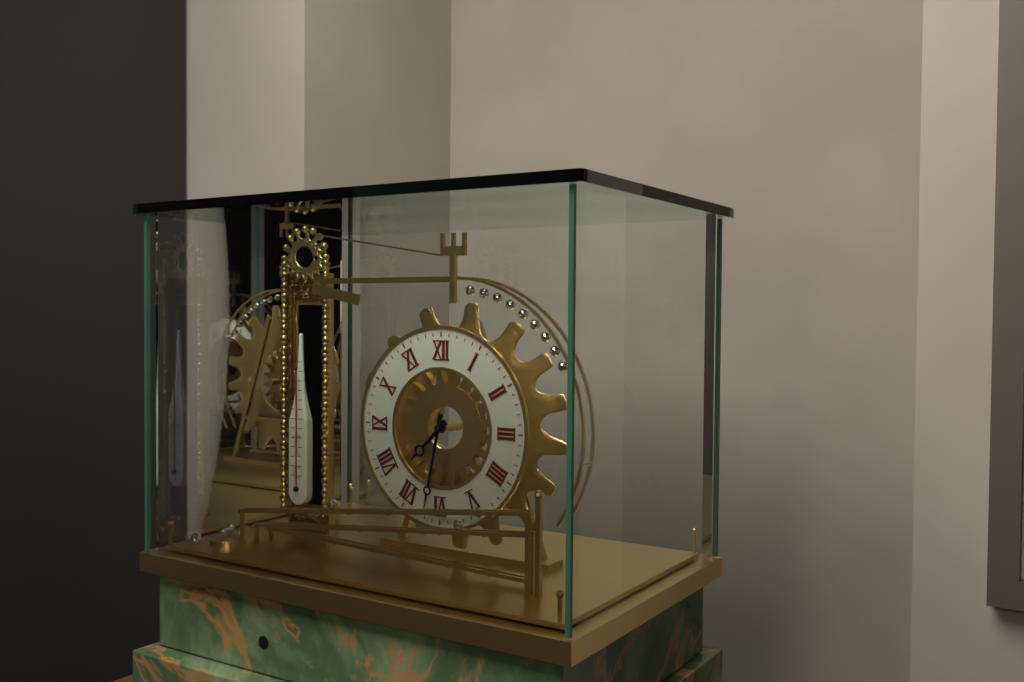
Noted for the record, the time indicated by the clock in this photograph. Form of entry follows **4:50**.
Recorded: **7:32**
